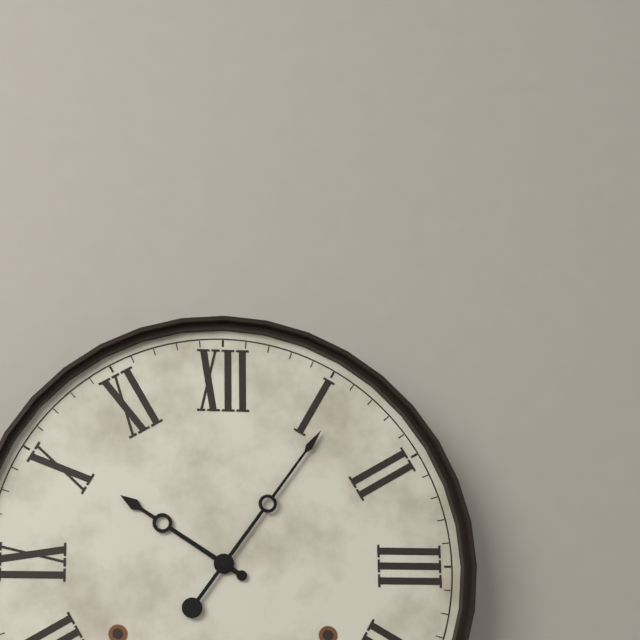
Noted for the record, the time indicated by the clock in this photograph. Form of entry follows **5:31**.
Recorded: **10:06**
